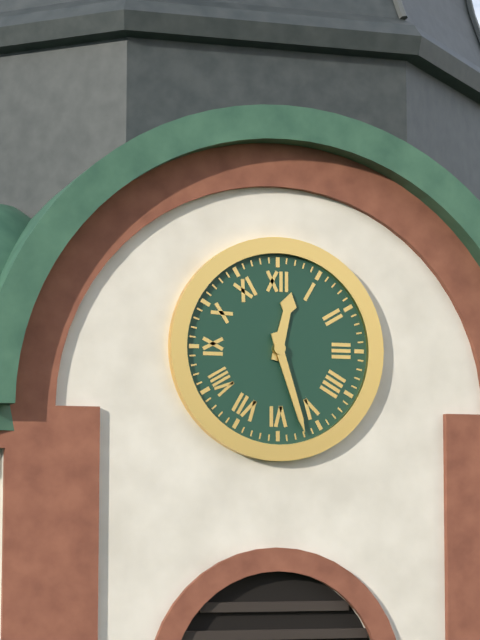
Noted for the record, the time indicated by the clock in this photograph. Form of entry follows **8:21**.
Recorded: **12:27**
